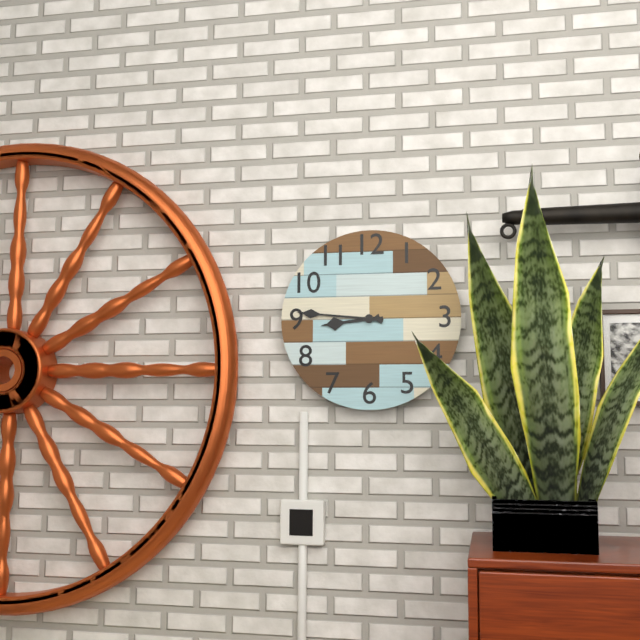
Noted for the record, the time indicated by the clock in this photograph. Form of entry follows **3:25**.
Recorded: **8:46**
